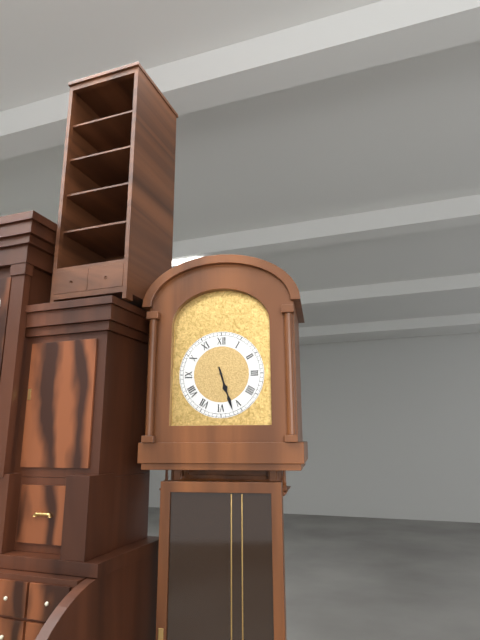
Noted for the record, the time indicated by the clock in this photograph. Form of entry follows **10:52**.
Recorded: **5:27**
